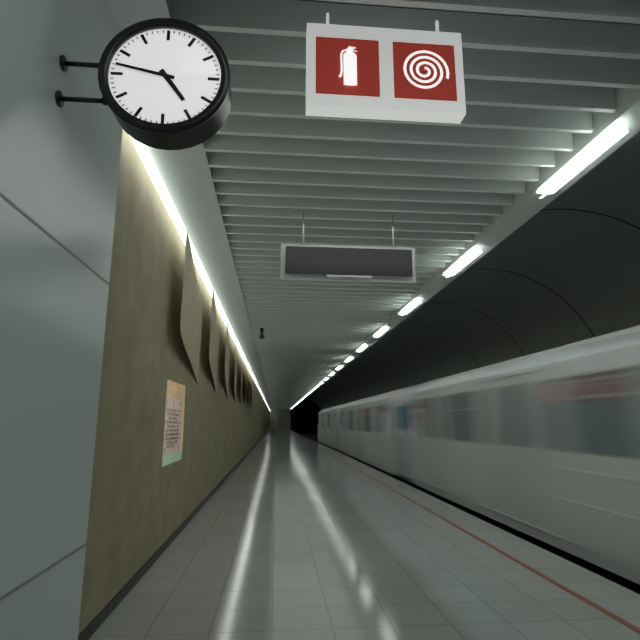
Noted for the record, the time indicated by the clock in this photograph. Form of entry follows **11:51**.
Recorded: **4:47**
